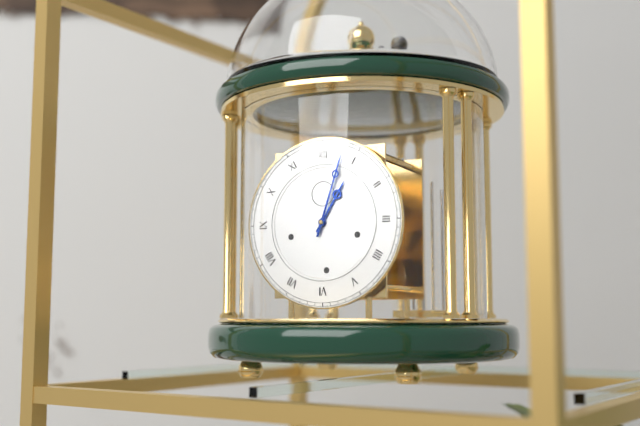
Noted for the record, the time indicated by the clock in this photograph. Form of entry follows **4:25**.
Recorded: **1:03**
